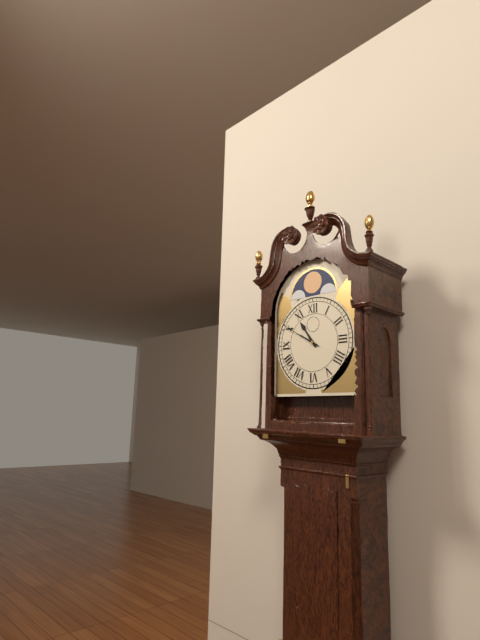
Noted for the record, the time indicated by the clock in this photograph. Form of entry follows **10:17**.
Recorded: **10:50**
